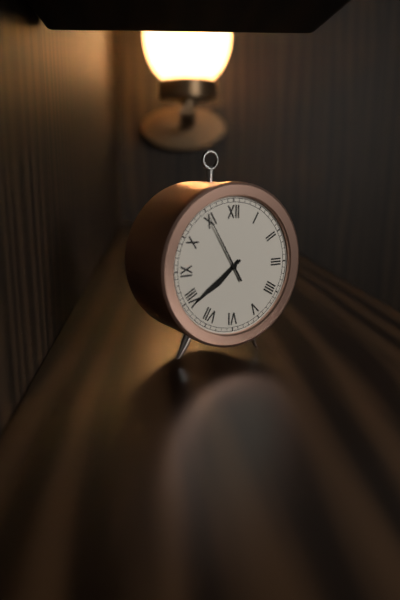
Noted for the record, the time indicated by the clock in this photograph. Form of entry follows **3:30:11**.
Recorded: **7:39:55**
